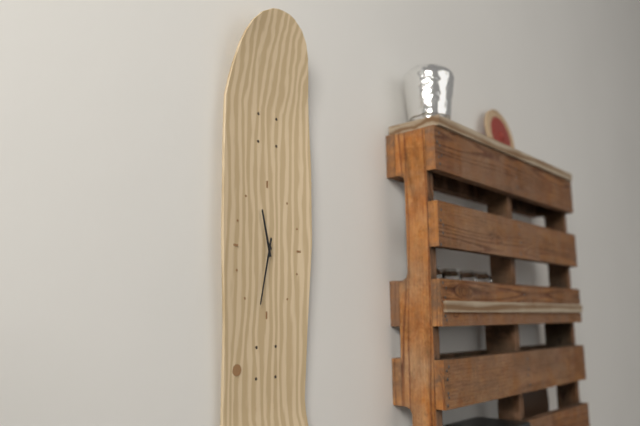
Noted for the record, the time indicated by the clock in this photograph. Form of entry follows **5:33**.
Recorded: **11:32**
